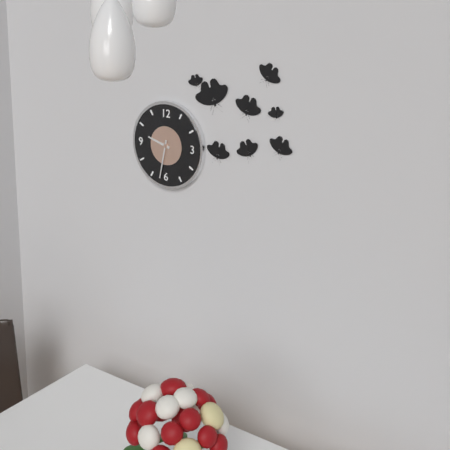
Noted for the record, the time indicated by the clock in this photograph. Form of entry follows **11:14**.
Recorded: **9:32**
